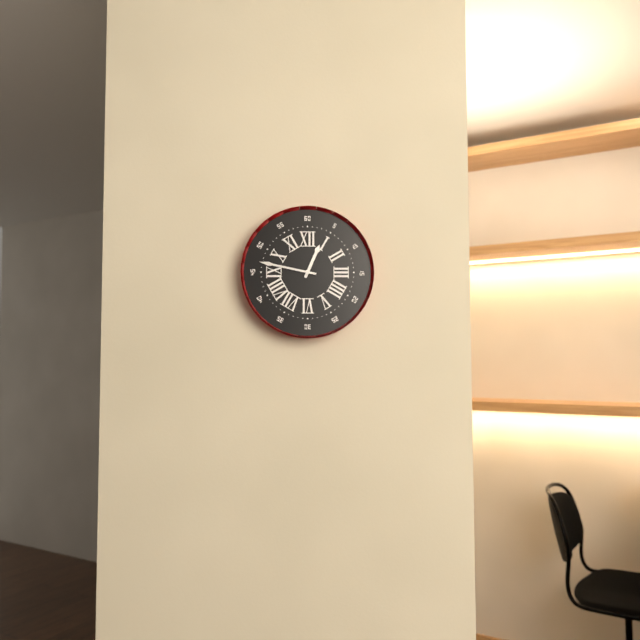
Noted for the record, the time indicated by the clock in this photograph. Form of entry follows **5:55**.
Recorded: **12:47**
